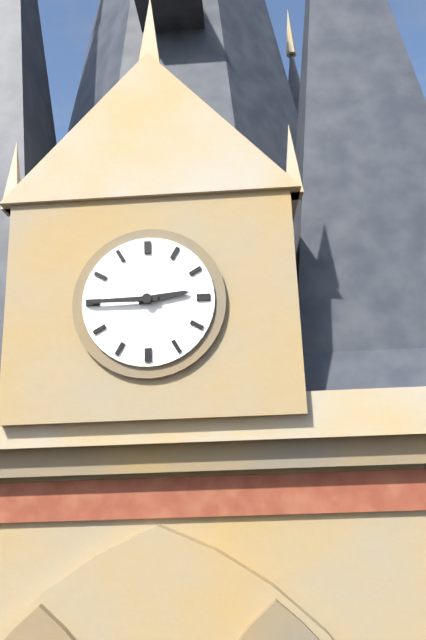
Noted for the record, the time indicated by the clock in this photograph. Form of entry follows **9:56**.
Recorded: **2:45**
